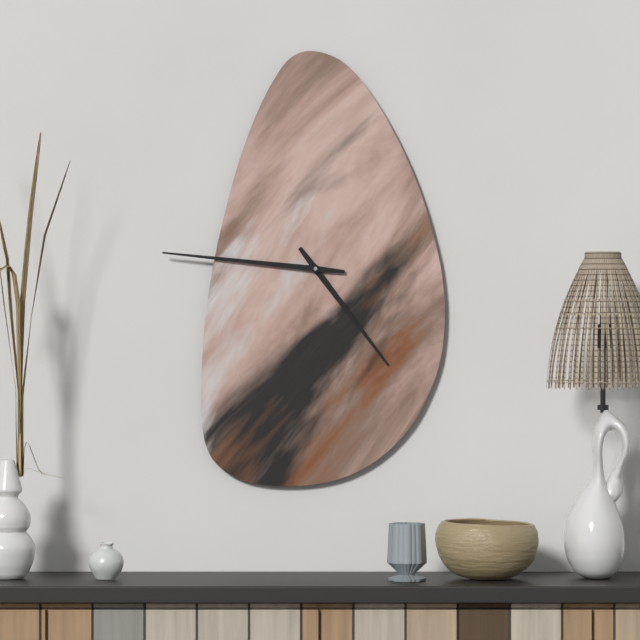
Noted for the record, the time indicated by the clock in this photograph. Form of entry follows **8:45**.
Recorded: **4:46**
